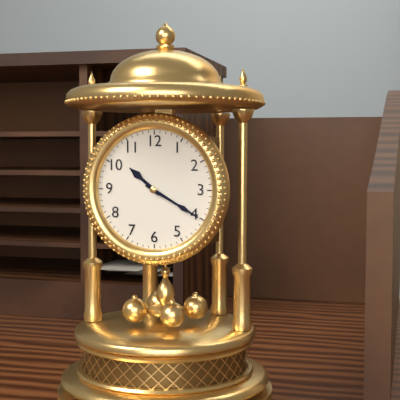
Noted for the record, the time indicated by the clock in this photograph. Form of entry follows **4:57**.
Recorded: **10:20**
